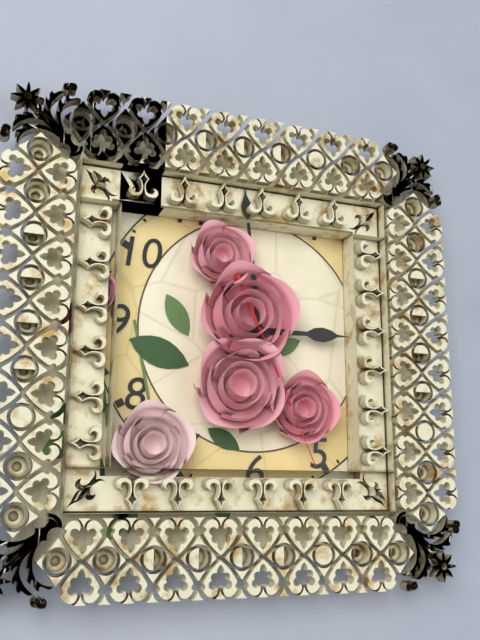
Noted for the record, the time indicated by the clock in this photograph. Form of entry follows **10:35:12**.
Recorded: **2:59:26**
